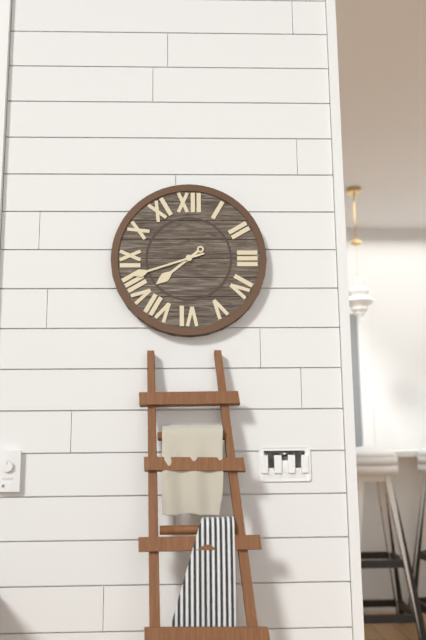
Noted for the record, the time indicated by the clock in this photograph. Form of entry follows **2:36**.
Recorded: **7:42**
